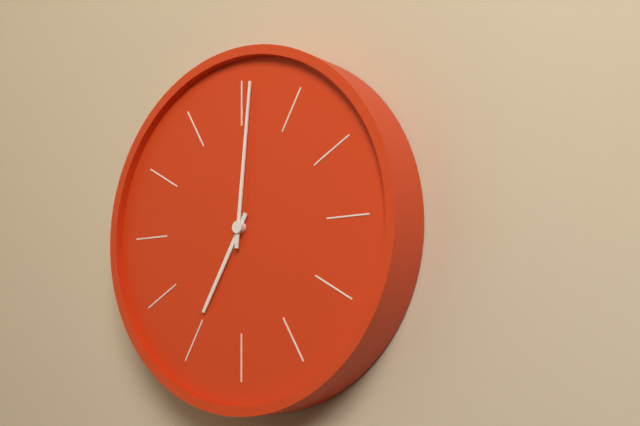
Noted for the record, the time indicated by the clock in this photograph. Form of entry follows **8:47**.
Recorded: **7:01**
